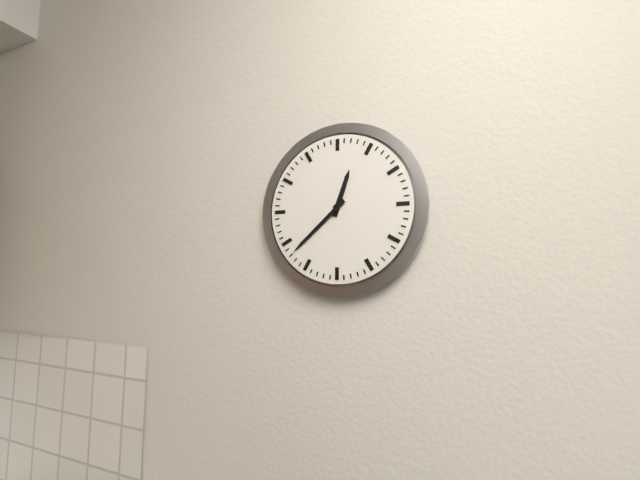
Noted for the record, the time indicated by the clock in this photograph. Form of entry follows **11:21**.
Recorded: **12:38**
